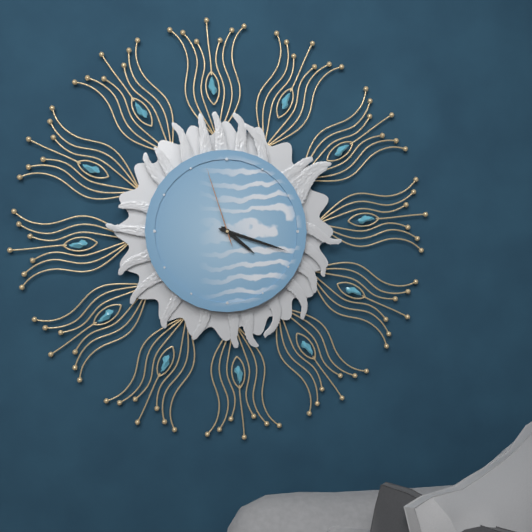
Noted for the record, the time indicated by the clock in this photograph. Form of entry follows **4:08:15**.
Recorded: **4:18:57**
